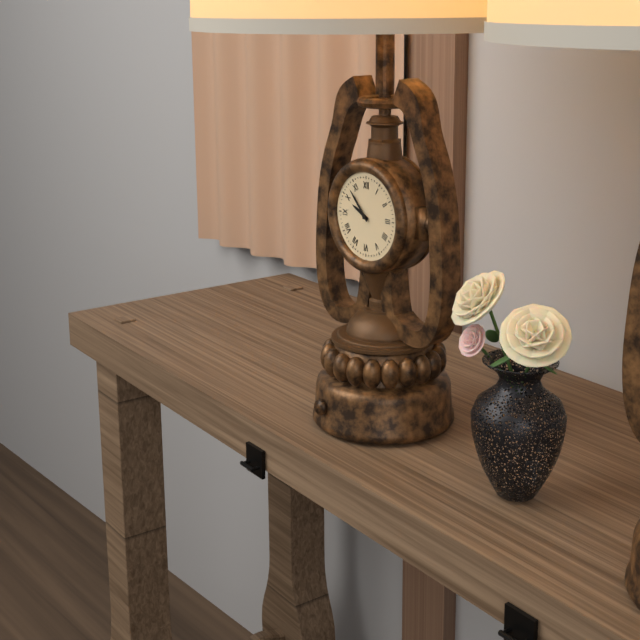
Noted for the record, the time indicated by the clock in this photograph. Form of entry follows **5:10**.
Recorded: **9:53**
